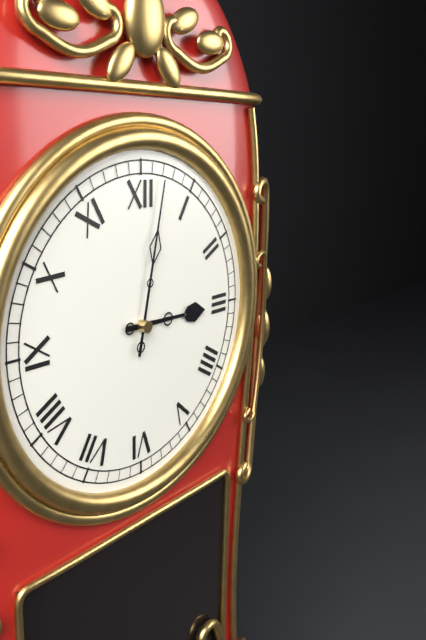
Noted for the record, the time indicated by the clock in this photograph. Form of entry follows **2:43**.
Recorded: **3:02**
